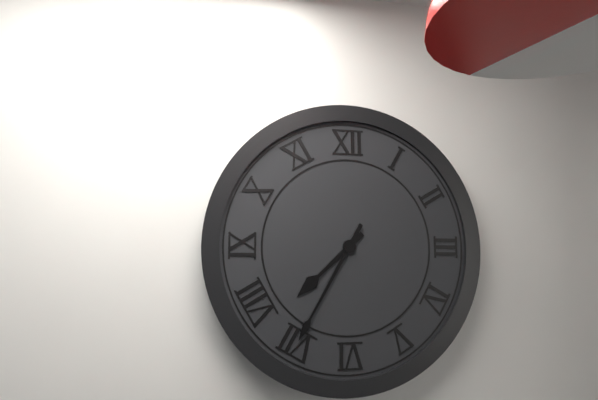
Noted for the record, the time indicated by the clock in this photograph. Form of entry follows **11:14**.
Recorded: **7:35**
